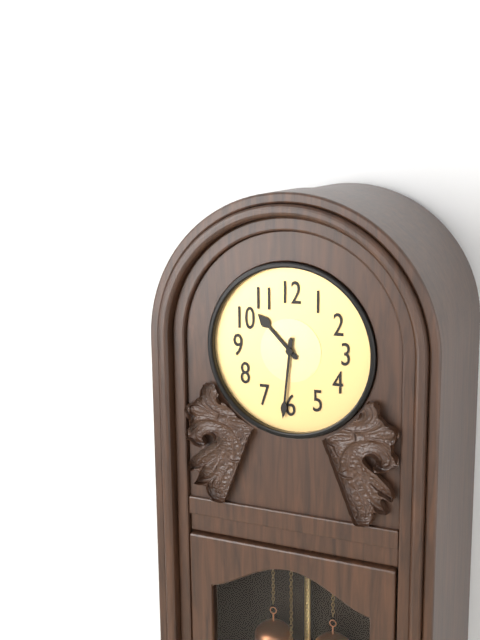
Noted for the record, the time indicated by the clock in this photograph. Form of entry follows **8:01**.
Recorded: **10:31**
